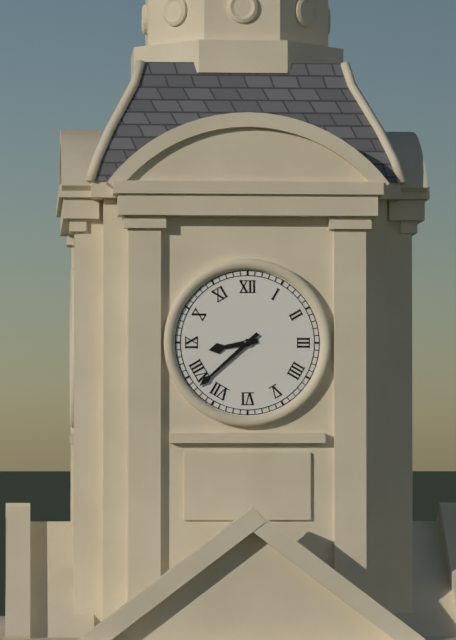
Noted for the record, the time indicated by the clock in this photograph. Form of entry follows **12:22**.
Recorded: **8:38**
